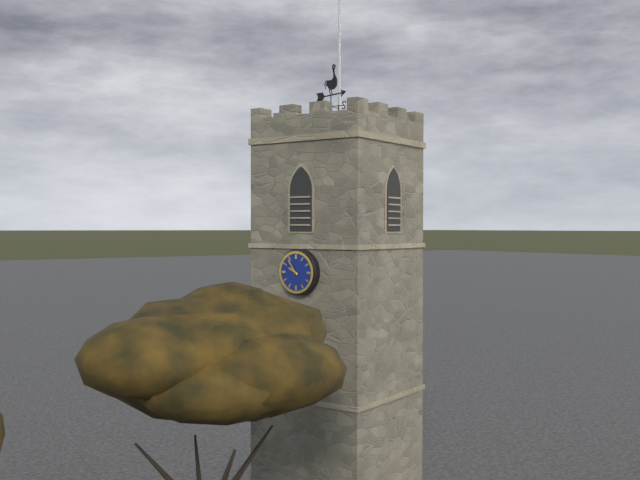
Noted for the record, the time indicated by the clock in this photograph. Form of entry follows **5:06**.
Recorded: **9:54**
